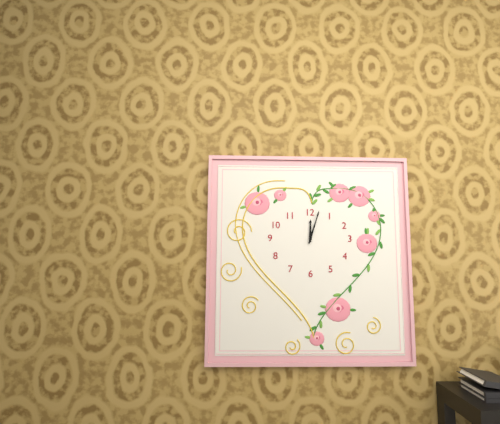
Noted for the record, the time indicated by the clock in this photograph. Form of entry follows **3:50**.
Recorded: **12:03**
